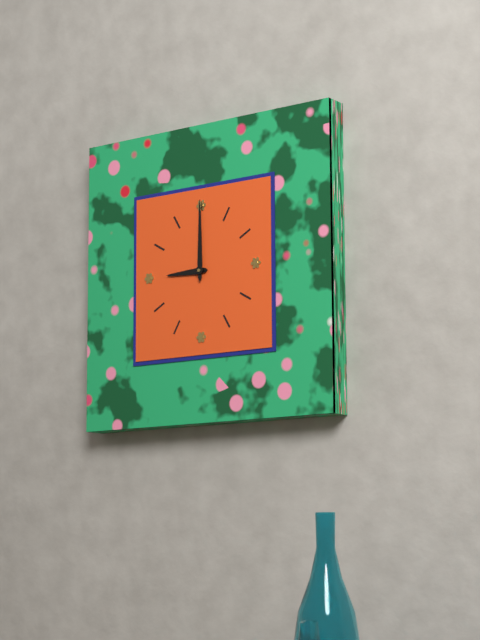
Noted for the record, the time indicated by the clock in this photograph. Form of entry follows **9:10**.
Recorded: **9:00**
